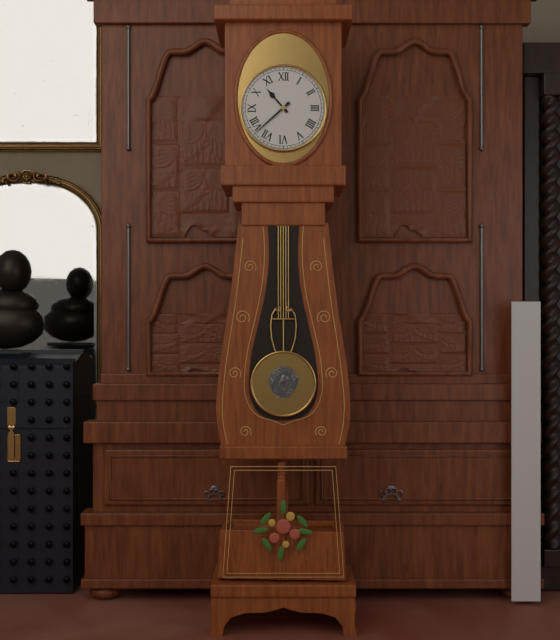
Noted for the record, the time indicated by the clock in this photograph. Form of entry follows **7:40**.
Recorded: **10:38**
